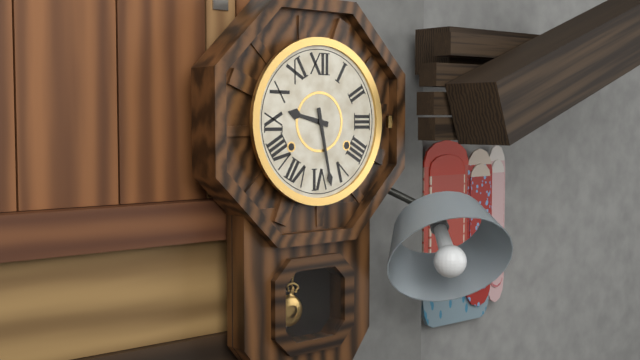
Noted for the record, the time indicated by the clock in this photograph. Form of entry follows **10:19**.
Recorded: **9:28**
